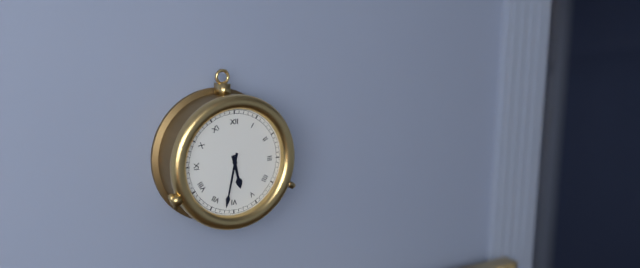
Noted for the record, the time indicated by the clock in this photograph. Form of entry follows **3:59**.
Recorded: **5:32**
